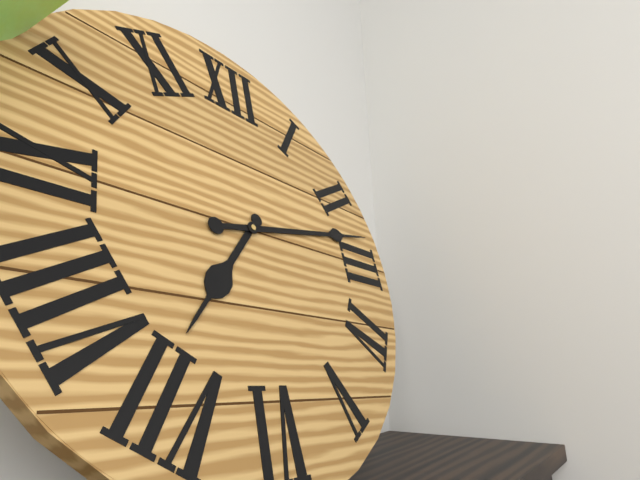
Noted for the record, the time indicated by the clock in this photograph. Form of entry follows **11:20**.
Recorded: **7:13**
